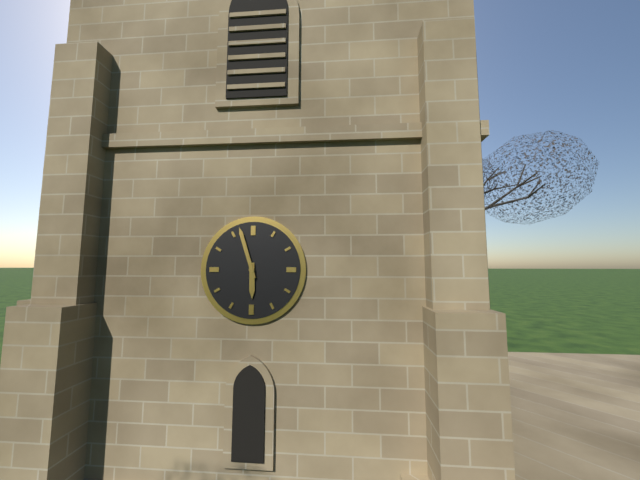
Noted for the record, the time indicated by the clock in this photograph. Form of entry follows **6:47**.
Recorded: **5:57**
